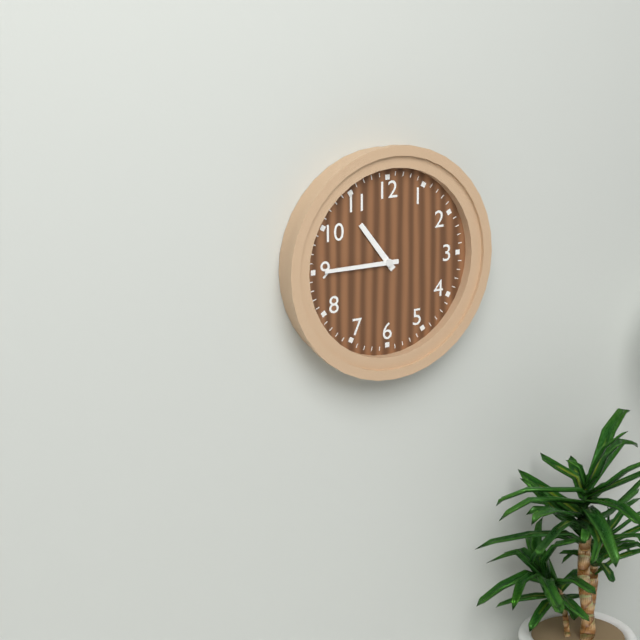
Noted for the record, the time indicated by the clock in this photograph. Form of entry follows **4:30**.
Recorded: **10:45**
